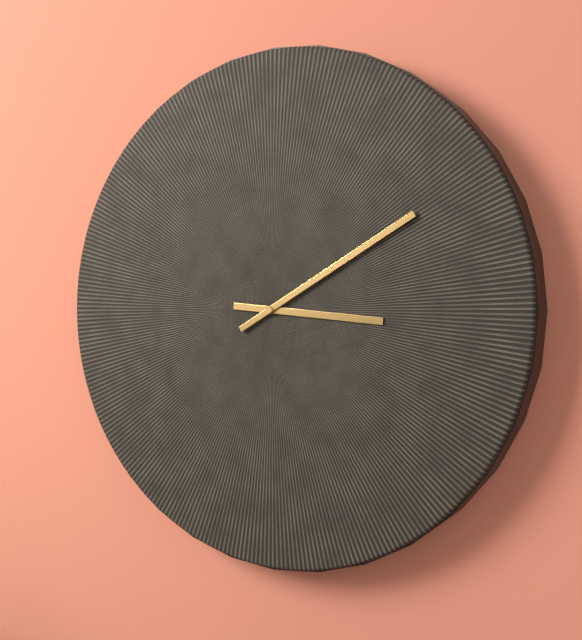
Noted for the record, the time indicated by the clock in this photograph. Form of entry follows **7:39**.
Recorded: **3:10**
